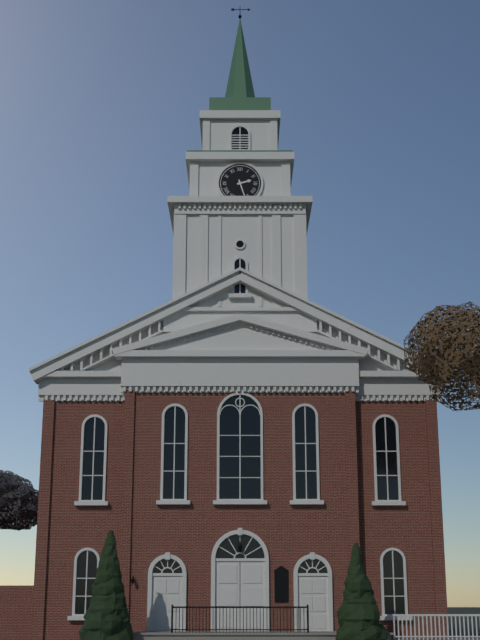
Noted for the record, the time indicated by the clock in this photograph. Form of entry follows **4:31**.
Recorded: **2:27**
